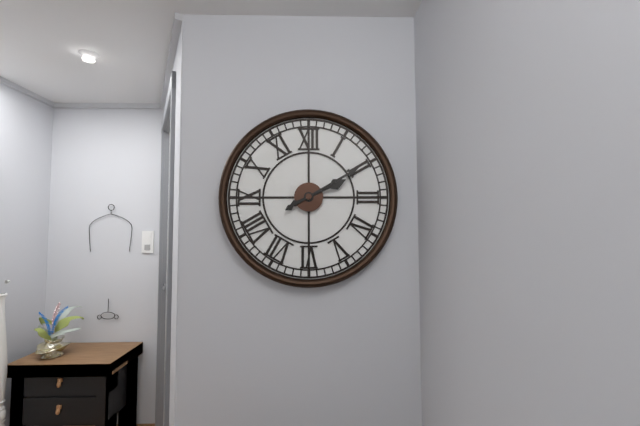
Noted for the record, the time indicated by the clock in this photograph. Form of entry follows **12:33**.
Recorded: **2:10**
